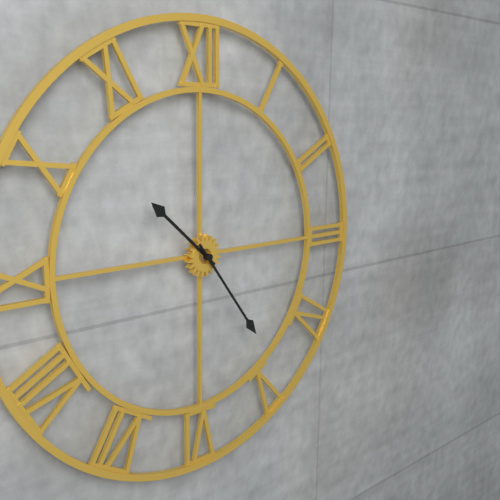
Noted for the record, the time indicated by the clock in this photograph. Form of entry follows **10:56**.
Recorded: **10:24**
